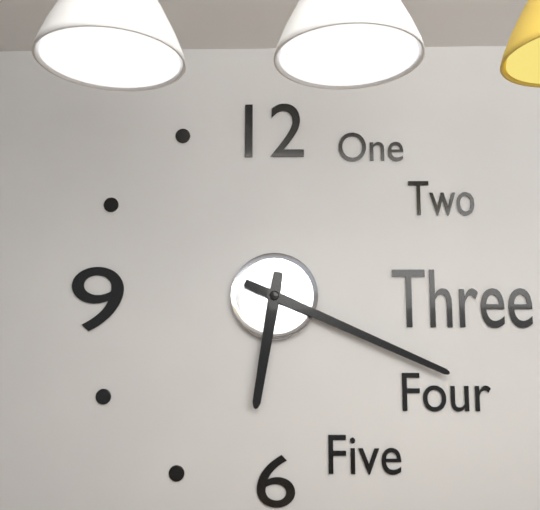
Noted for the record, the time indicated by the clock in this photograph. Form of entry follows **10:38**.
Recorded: **6:19**
